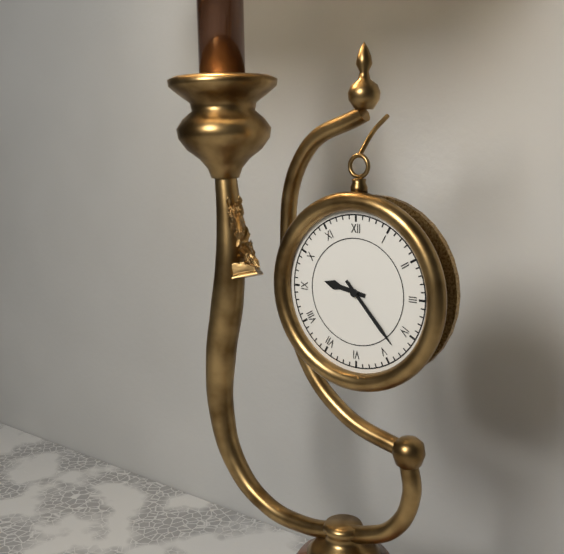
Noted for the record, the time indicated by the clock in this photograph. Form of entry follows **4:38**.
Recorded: **9:23**
